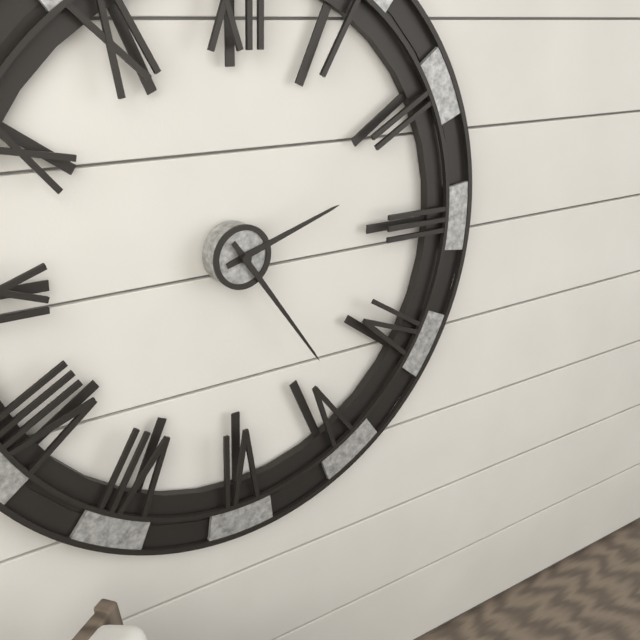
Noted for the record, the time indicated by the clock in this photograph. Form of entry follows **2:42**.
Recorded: **2:24**
